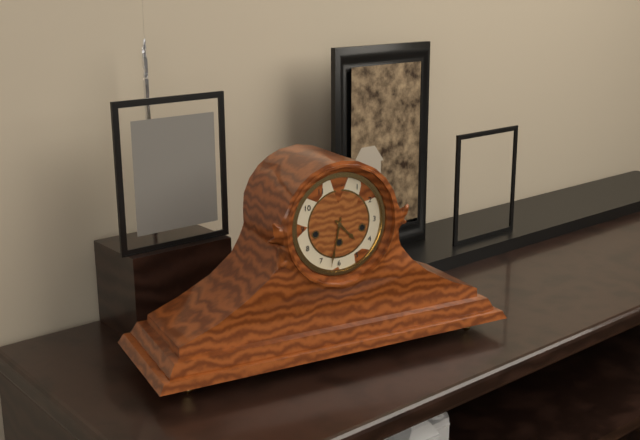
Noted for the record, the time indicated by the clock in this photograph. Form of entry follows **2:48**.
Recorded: **4:32**
